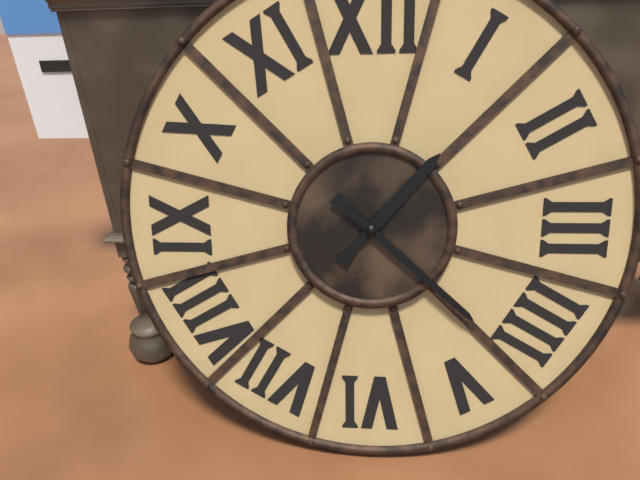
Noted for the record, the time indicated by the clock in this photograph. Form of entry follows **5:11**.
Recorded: **1:22**
